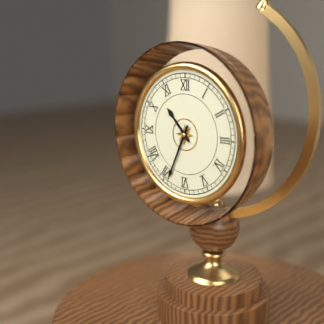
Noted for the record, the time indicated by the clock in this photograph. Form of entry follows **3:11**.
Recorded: **10:34**
